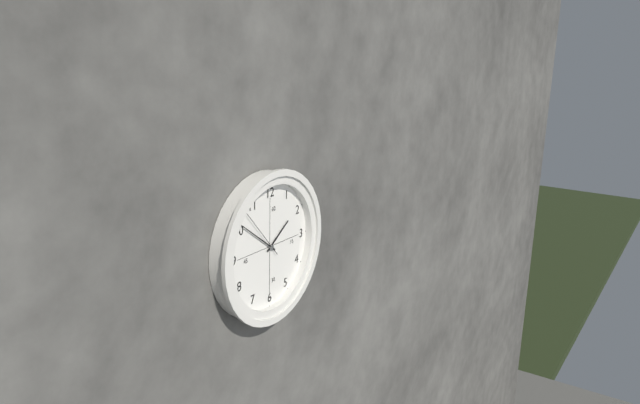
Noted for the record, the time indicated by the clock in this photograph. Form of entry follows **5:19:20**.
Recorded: **1:51:53**
